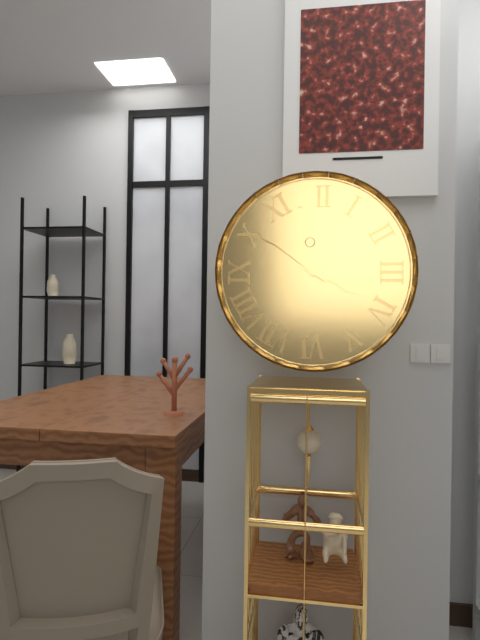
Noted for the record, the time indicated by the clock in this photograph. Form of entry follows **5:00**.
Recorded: **3:51**
